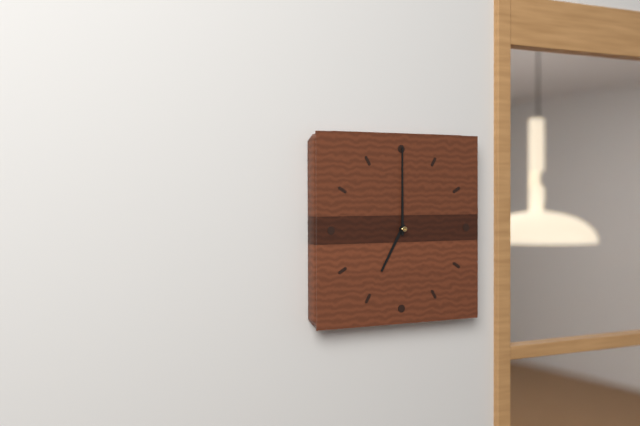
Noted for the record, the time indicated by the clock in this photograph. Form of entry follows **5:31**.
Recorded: **7:00**
